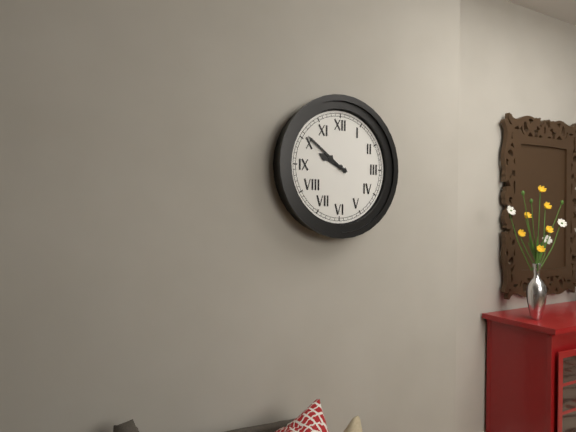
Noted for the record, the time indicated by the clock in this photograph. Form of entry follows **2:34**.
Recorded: **9:51**
